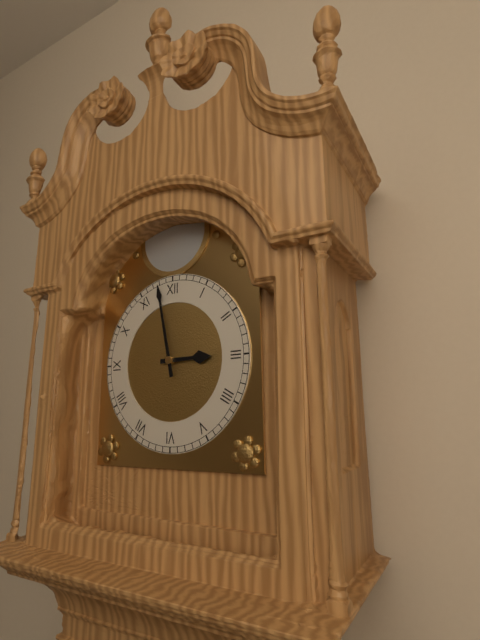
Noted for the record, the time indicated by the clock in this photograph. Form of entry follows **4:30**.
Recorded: **2:58**
